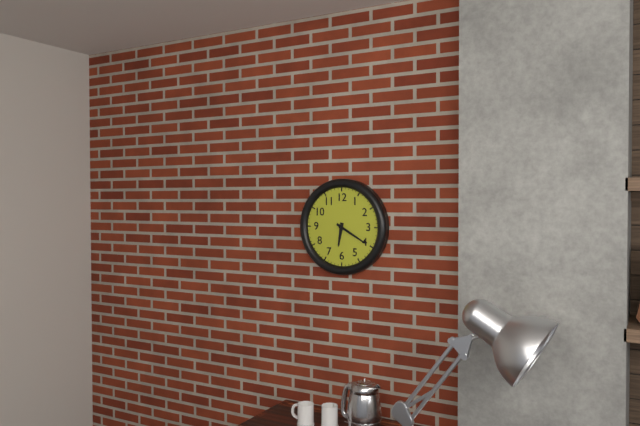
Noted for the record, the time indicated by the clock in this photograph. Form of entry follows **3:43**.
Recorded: **6:20**
